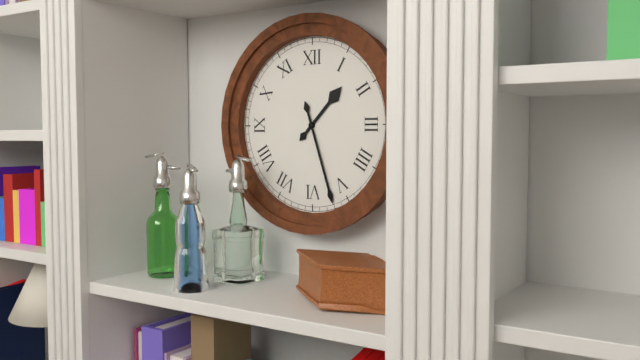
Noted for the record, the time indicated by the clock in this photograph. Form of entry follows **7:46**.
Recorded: **1:27**
